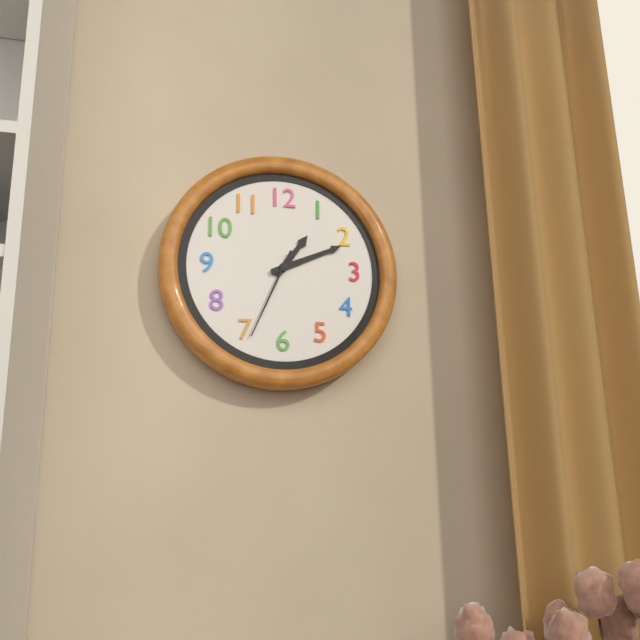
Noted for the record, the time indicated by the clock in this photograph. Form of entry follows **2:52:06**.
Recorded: **1:11:34**
